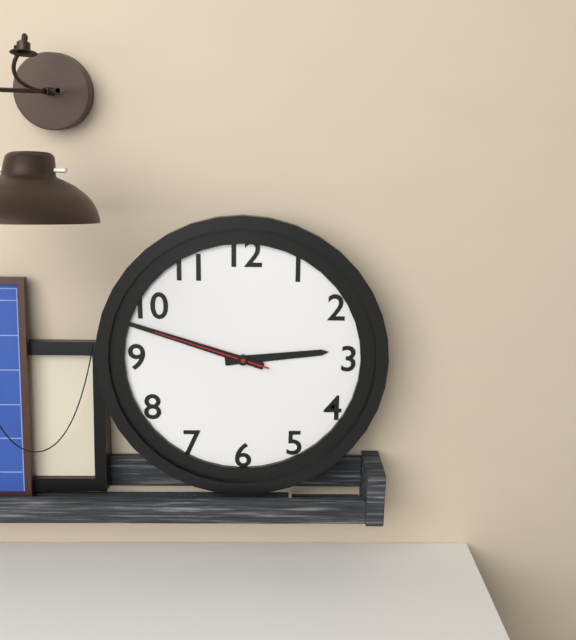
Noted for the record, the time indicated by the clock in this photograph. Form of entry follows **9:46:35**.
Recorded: **2:48:48**
